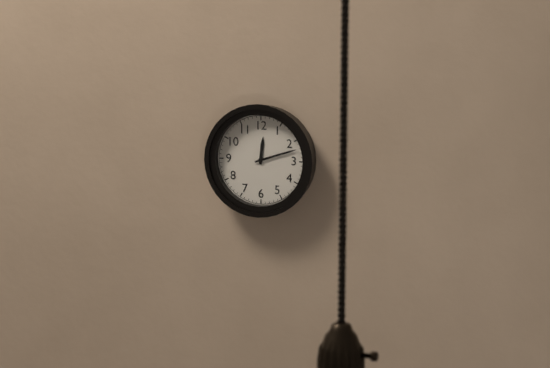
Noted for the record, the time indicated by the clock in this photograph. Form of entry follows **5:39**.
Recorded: **12:12**
